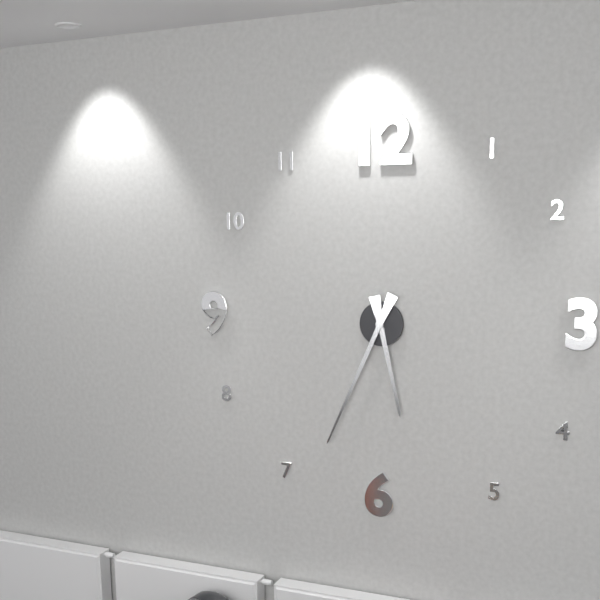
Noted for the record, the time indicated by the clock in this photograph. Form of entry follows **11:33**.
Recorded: **5:34**
